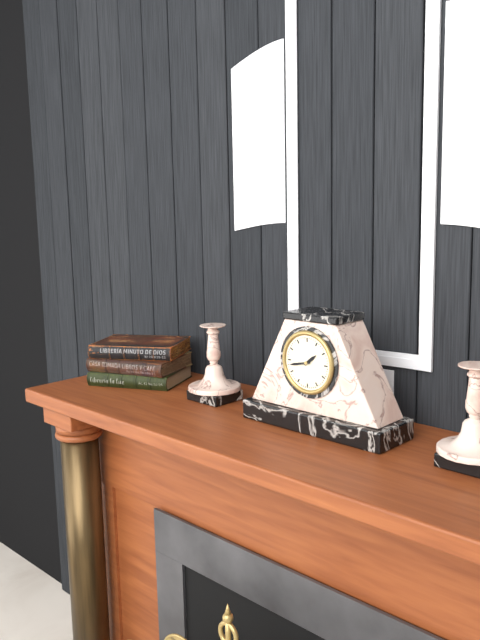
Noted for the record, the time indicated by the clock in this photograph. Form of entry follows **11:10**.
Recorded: **1:43**
